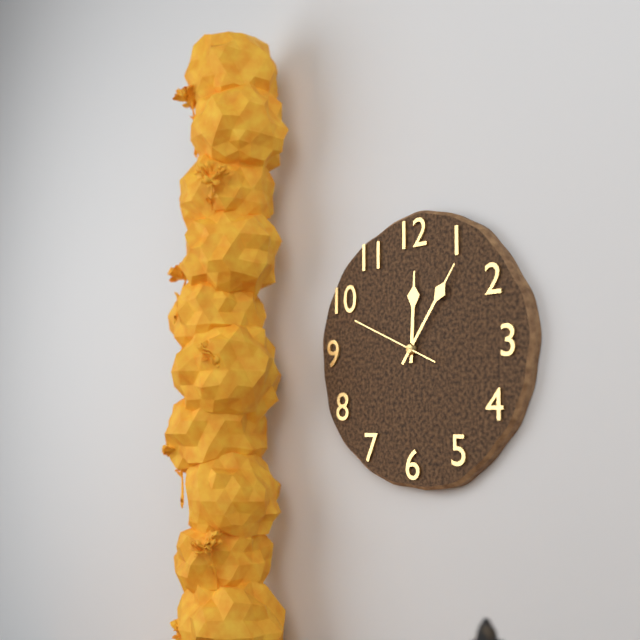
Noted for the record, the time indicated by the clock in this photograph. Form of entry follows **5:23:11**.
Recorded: **12:06:49**
